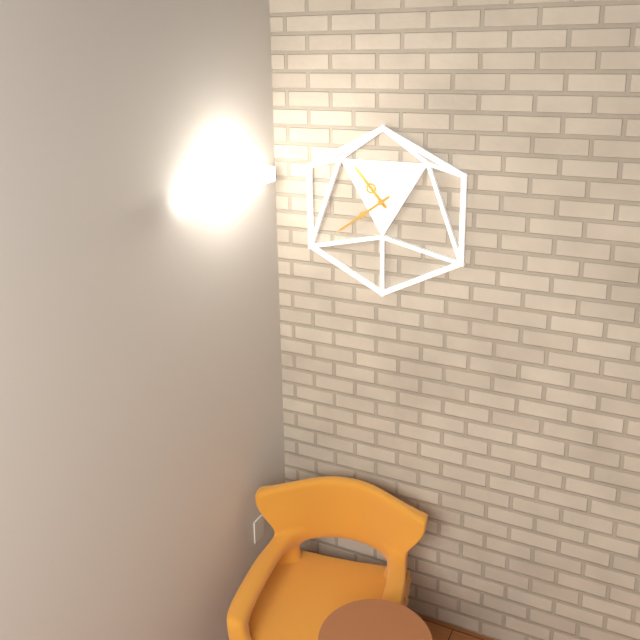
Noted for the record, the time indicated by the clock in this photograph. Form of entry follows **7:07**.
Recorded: **10:39**
